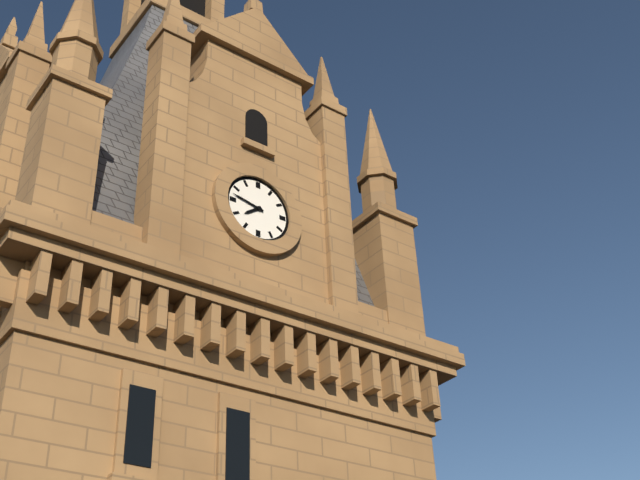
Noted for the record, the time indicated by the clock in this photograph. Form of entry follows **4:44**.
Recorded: **7:47**
